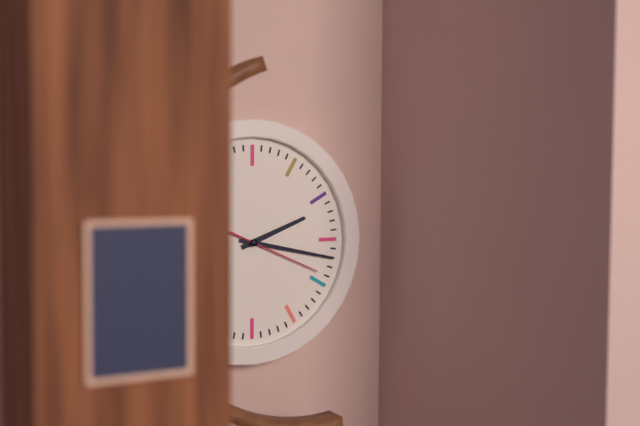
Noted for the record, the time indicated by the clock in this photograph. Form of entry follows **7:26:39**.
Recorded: **2:17:19**
